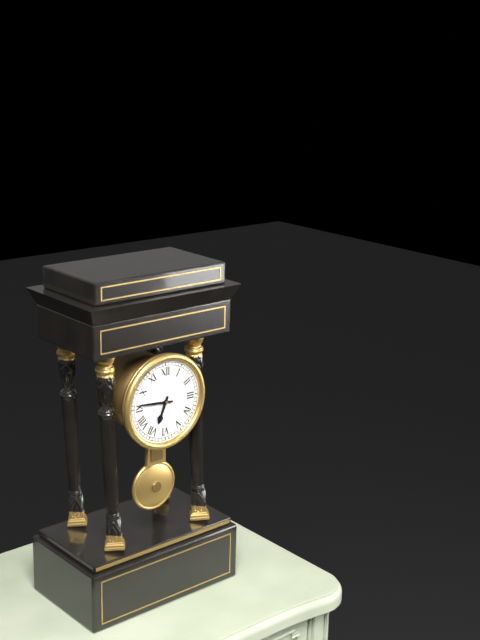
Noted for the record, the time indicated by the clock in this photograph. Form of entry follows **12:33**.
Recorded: **6:46**
